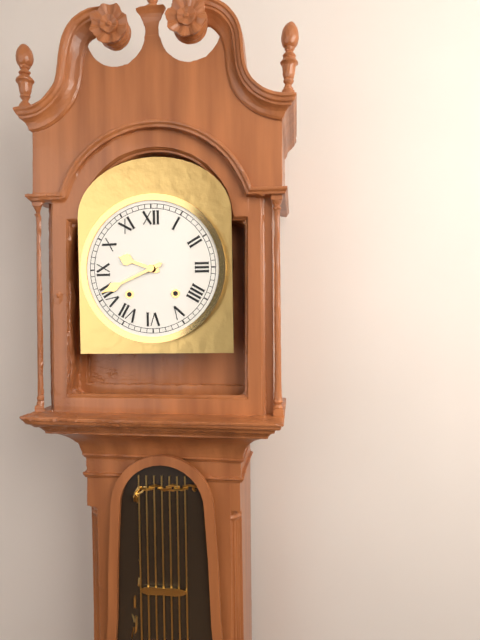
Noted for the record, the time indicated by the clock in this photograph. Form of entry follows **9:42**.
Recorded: **9:41**
